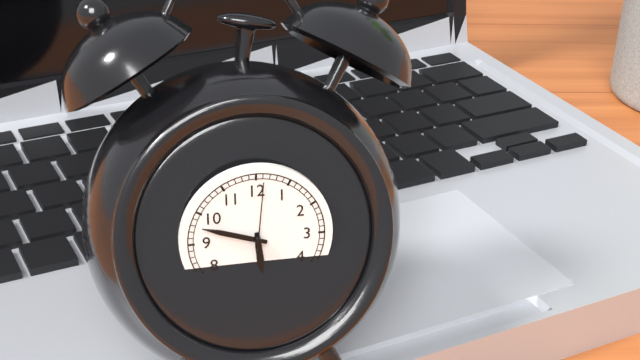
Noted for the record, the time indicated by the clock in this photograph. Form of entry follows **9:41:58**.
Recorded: **5:48:01**
